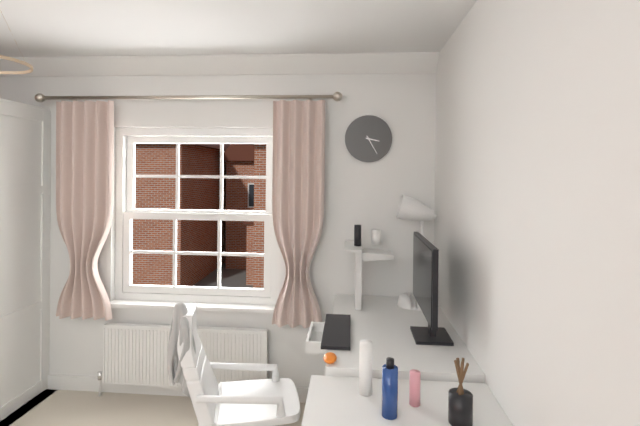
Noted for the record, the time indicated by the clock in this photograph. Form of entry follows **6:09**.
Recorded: **3:25**
